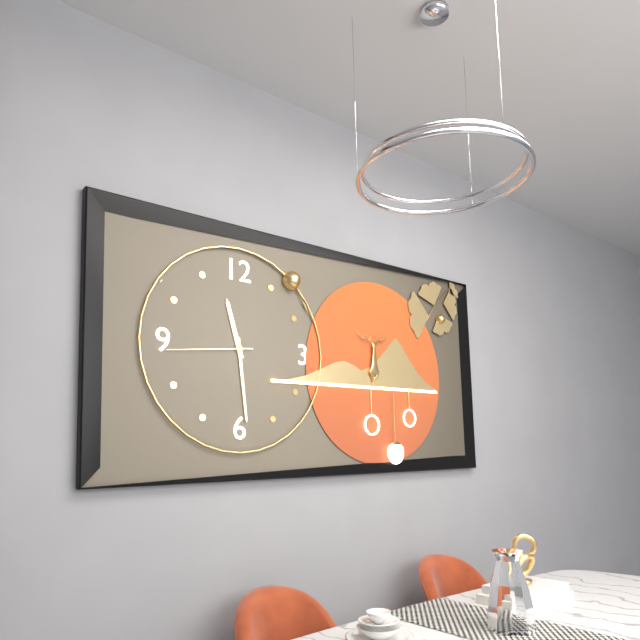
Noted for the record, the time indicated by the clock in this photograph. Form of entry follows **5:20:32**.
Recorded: **11:29:44**
